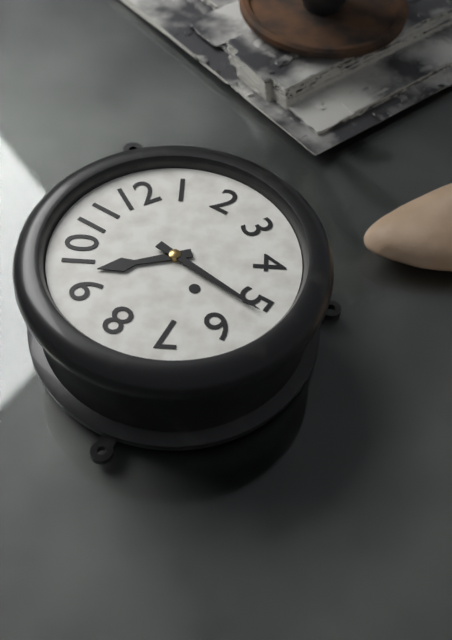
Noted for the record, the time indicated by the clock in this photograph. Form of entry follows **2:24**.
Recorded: **9:26**
